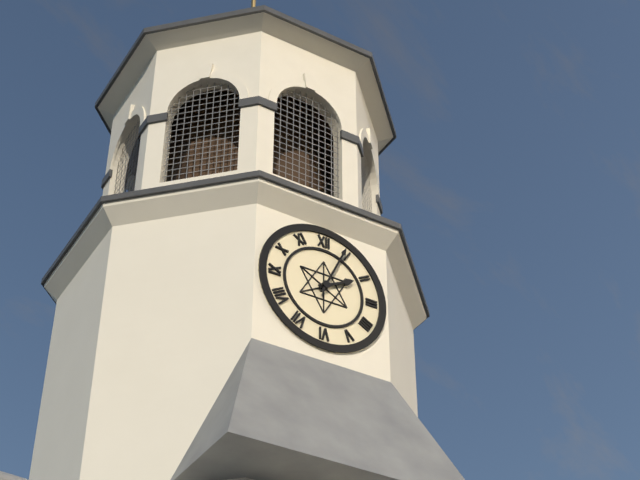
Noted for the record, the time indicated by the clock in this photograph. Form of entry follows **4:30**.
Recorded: **2:04**
